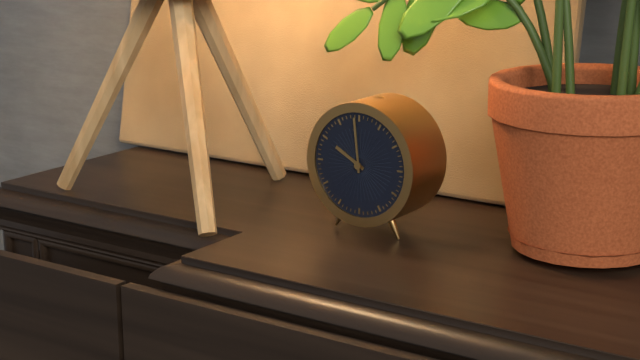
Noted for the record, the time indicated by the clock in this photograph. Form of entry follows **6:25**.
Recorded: **9:59**
